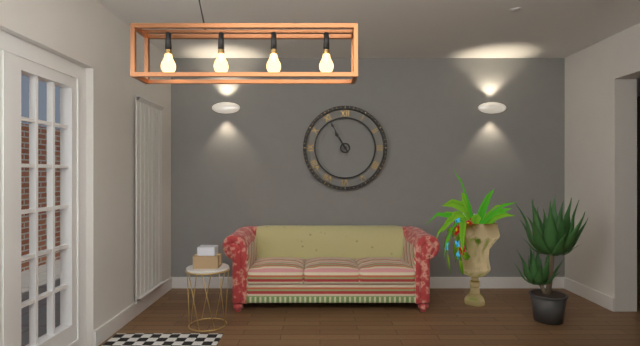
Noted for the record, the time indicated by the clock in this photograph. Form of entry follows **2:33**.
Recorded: **10:55**
